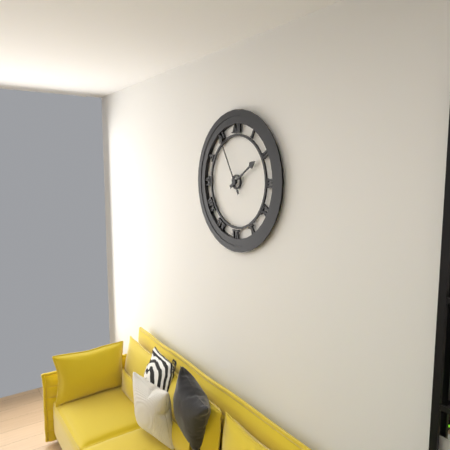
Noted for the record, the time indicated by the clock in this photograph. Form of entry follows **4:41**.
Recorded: **1:55**
